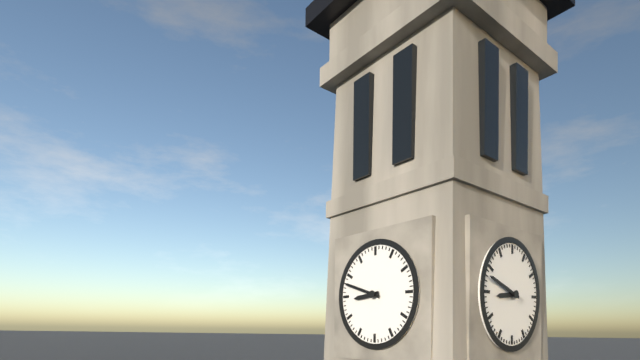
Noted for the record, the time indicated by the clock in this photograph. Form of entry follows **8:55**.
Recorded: **8:48**
